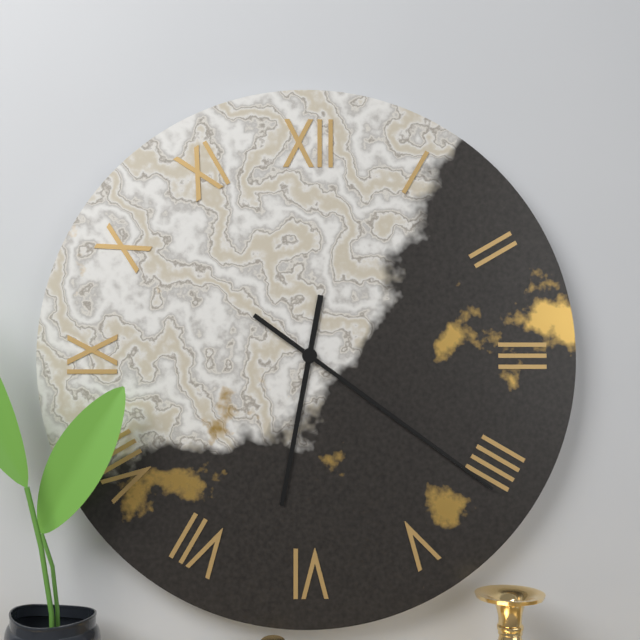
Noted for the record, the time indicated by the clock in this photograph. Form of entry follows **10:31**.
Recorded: **6:21**
